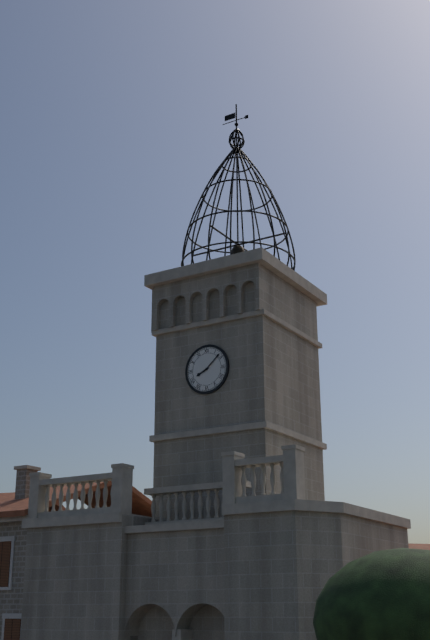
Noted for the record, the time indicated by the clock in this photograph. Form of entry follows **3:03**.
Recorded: **8:08**
